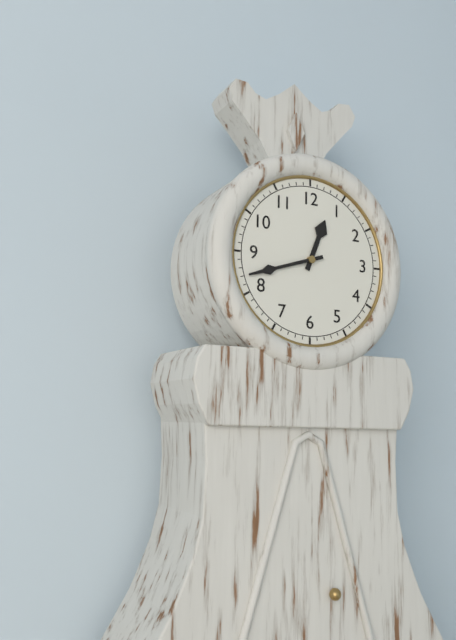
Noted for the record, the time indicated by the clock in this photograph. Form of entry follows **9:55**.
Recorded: **12:42**
